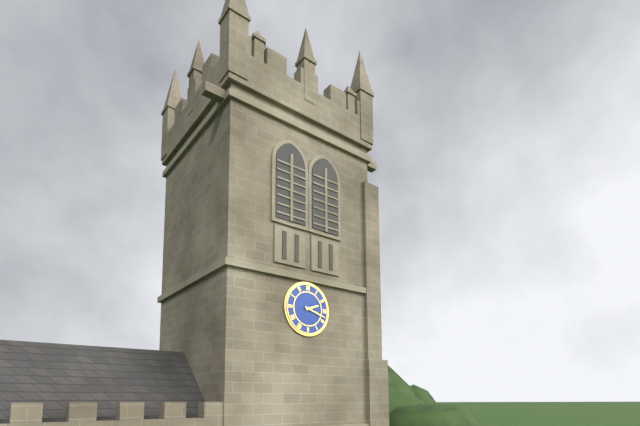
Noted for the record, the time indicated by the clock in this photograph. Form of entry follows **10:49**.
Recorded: **2:18**
